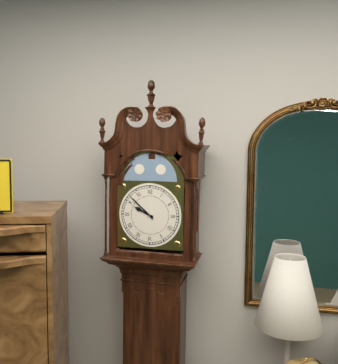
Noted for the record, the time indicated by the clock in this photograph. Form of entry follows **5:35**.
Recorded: **9:52**
